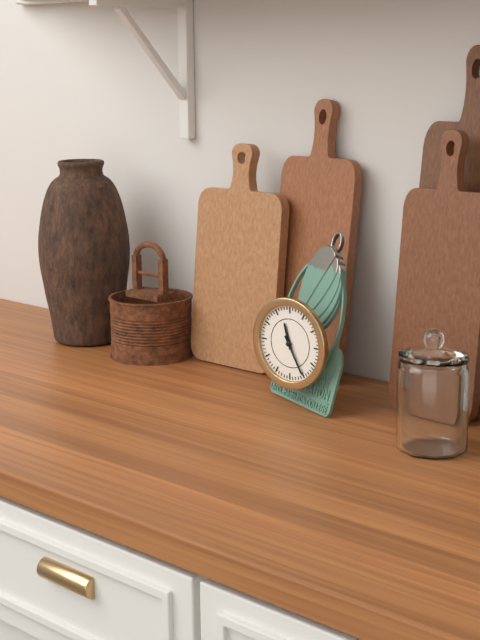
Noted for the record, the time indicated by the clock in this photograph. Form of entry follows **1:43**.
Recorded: **11:25**
